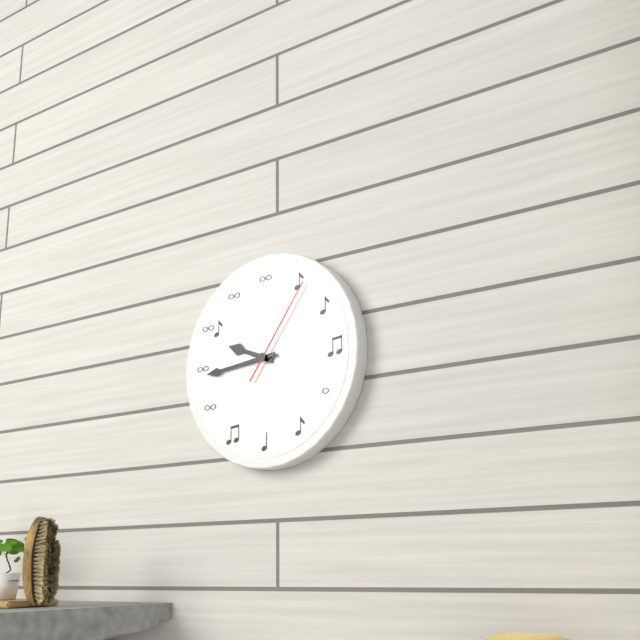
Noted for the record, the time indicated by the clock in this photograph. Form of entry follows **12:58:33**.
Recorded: **9:44:06**
